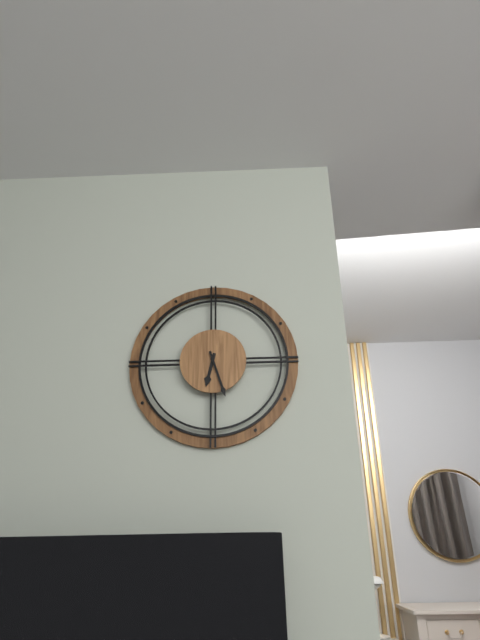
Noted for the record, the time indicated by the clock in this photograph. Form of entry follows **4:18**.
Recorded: **6:27**
